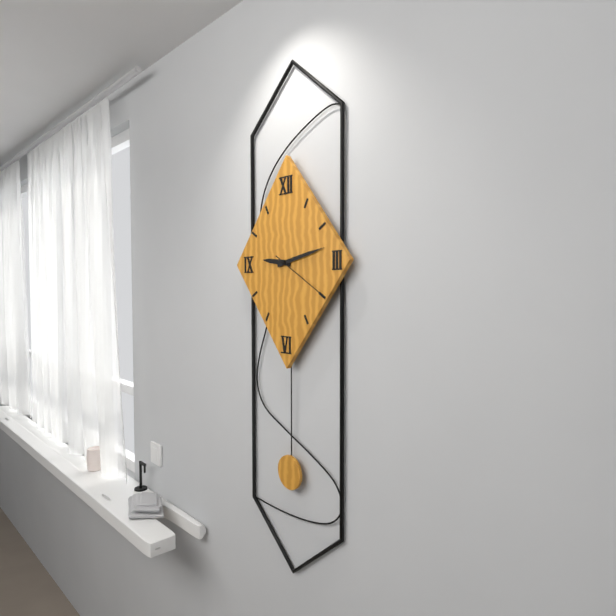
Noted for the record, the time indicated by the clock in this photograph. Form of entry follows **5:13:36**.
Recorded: **9:13:20**
